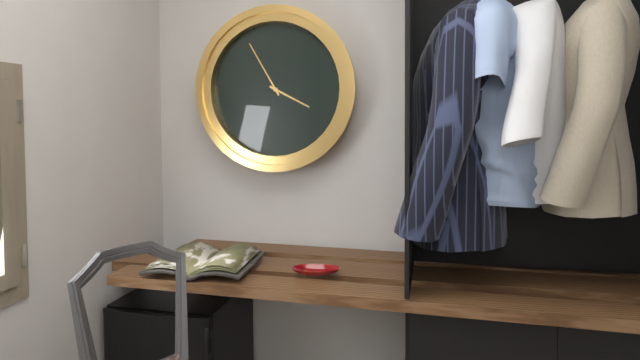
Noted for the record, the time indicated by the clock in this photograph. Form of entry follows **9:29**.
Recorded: **3:55**
